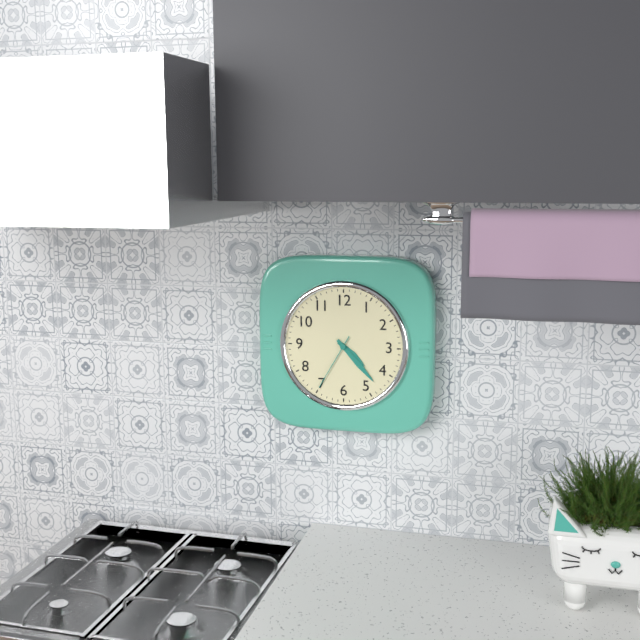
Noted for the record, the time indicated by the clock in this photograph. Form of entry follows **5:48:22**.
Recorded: **4:23:35**
